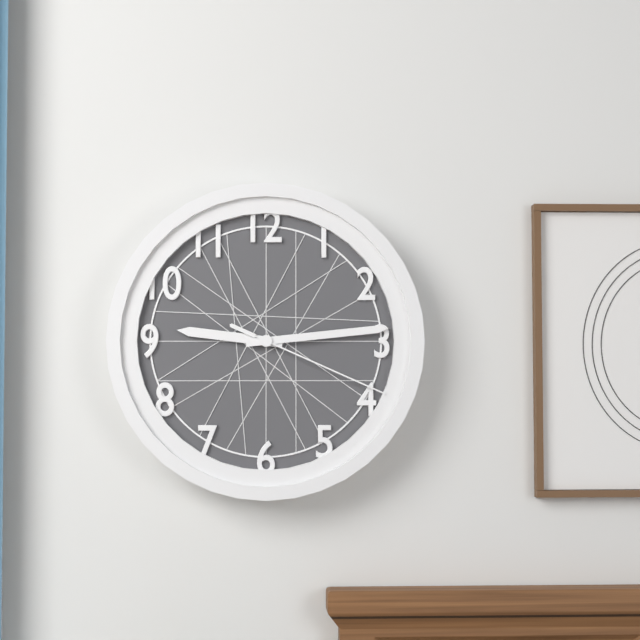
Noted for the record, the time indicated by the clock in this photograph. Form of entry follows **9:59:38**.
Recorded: **9:14:19**
